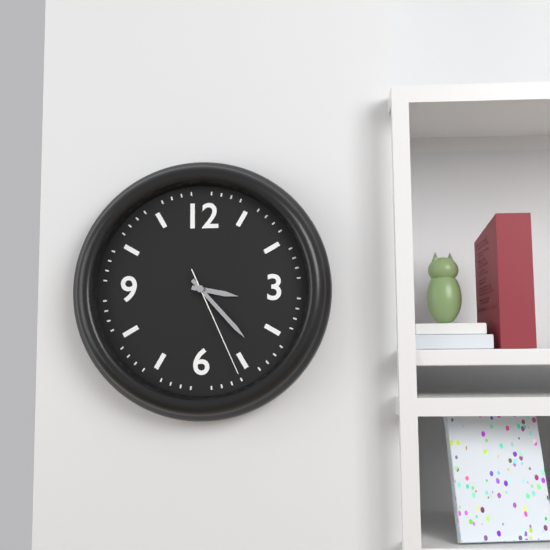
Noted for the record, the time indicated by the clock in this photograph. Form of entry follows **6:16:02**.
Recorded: **3:23:26**
